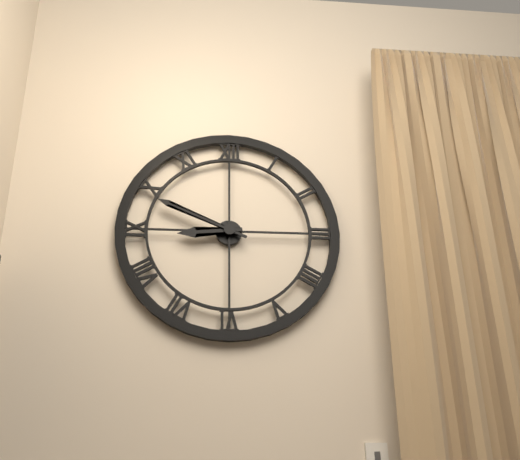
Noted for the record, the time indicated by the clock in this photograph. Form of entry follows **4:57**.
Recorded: **8:49**
